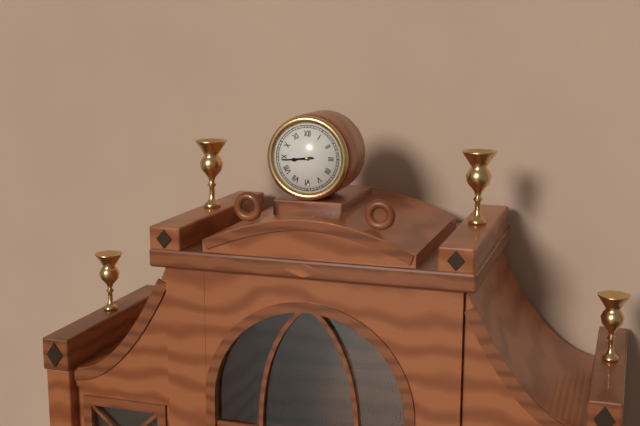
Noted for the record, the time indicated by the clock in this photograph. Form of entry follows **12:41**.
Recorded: **8:44**
